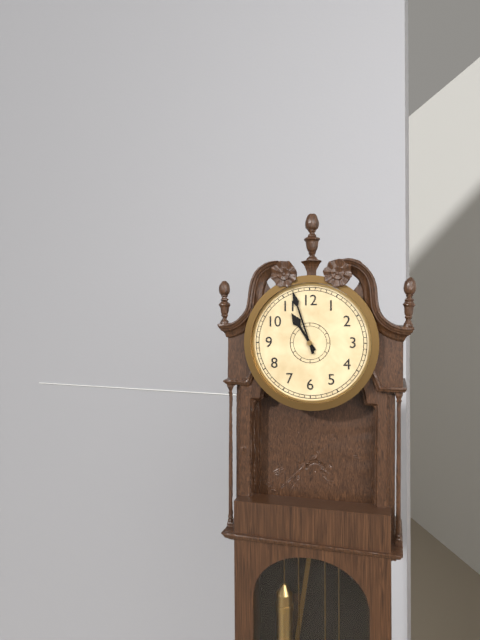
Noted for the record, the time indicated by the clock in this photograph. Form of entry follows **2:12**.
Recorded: **10:57**
